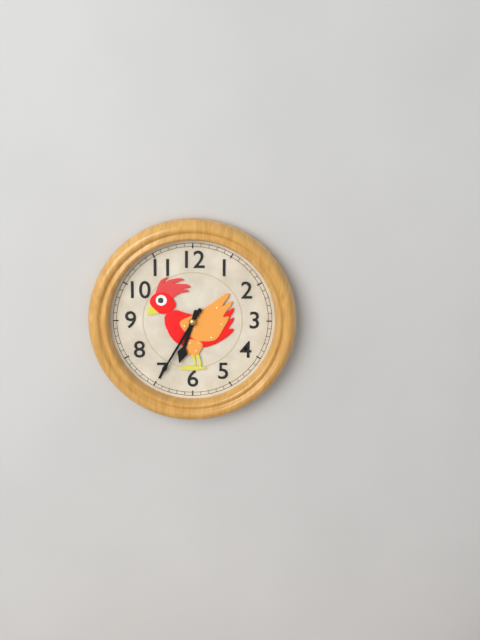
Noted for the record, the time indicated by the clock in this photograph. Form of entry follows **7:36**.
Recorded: **6:35**
